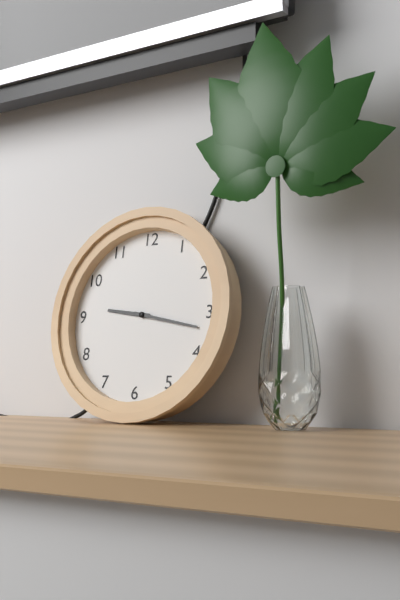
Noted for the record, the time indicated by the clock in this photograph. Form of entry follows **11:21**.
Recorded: **9:17**
